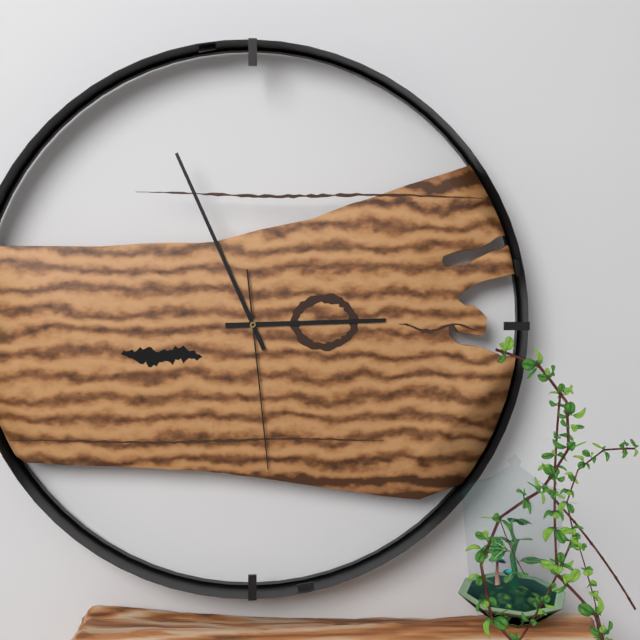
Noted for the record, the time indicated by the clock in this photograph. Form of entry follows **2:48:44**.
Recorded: **2:56:29**
